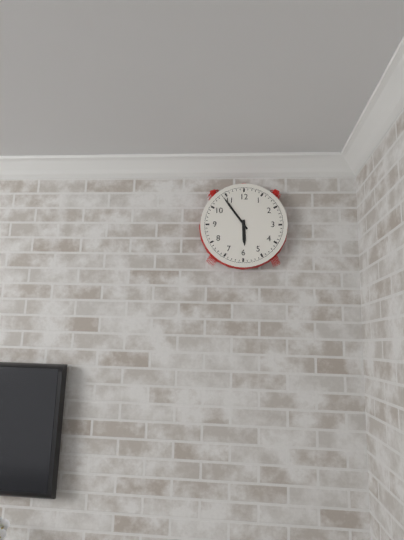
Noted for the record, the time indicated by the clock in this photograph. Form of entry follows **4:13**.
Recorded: **5:54**
